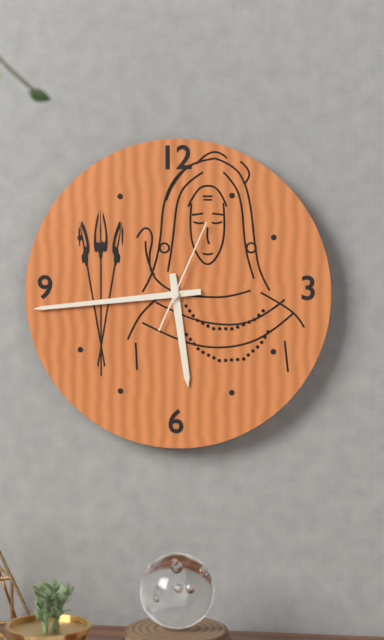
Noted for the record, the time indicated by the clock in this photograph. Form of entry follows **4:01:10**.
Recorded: **5:44:04**
